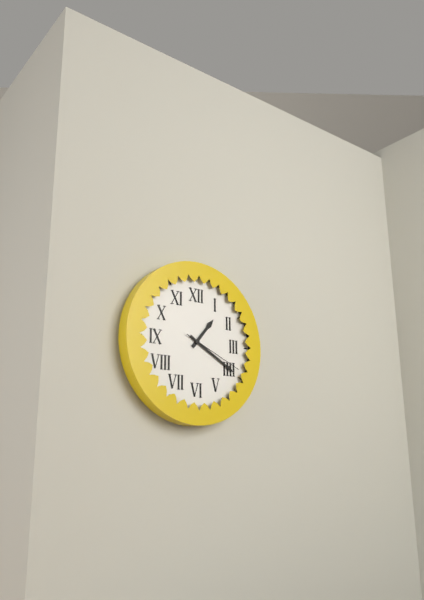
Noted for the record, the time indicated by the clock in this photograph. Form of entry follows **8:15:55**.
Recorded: **1:20:19**
